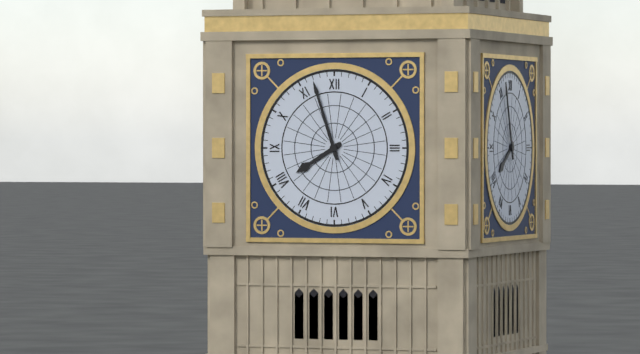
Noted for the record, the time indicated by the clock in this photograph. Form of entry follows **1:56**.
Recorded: **7:57**
